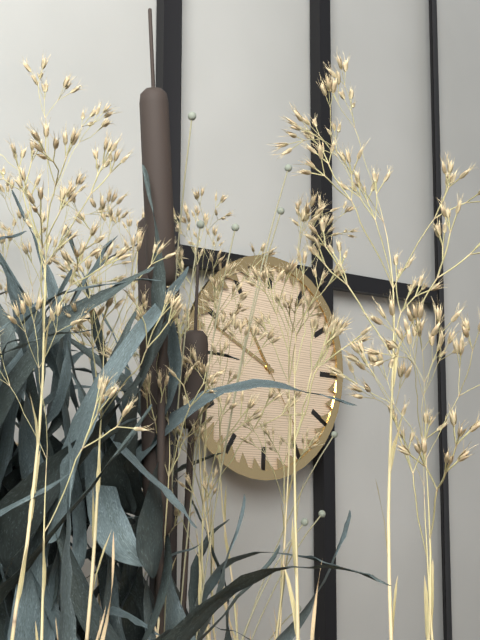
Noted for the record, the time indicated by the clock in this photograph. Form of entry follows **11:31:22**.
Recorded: **10:49:24**
